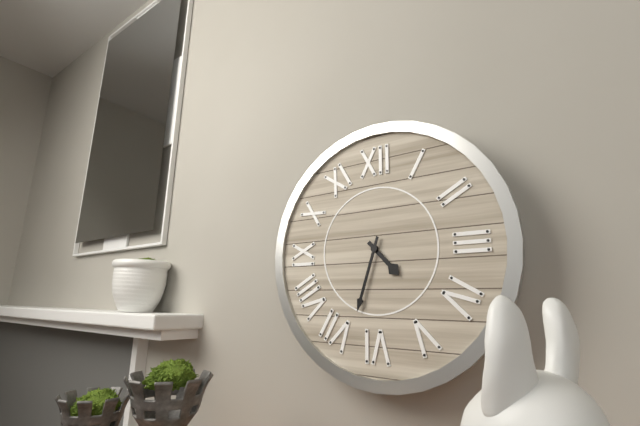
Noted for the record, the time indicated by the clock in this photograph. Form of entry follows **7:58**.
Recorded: **4:33**
